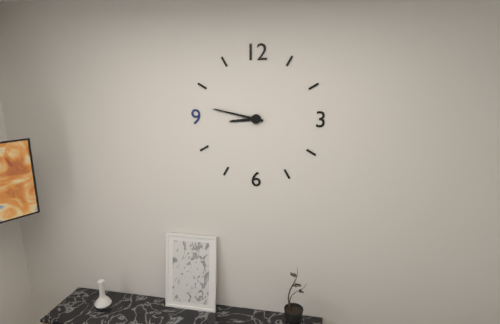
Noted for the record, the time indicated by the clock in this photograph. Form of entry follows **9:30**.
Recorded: **8:47**
